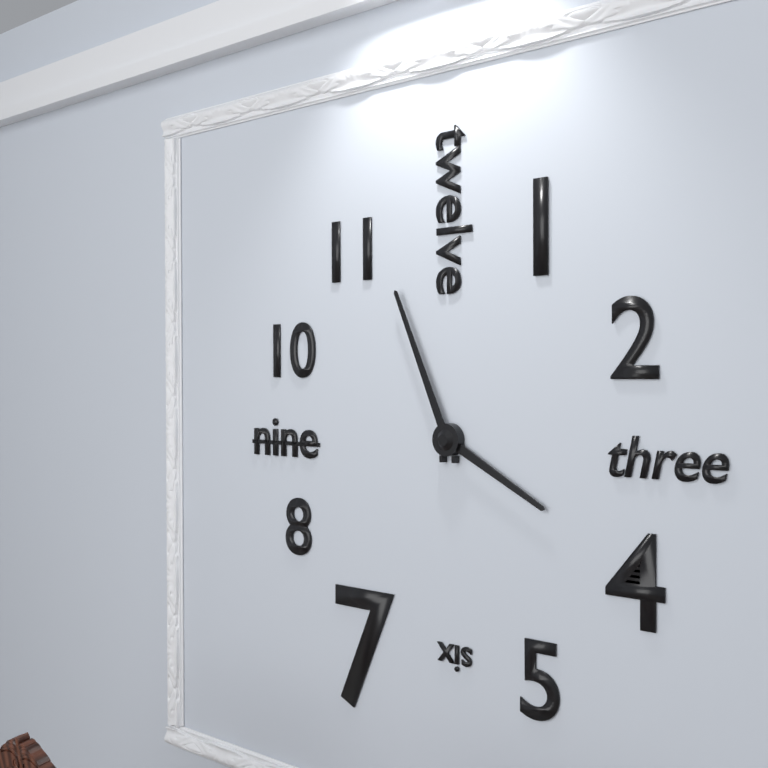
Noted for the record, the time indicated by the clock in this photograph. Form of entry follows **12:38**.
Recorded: **3:56**
